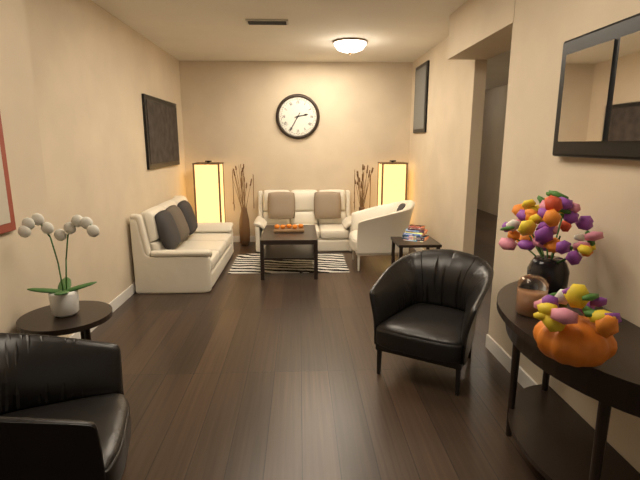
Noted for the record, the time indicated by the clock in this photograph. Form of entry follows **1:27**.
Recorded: **2:35**
